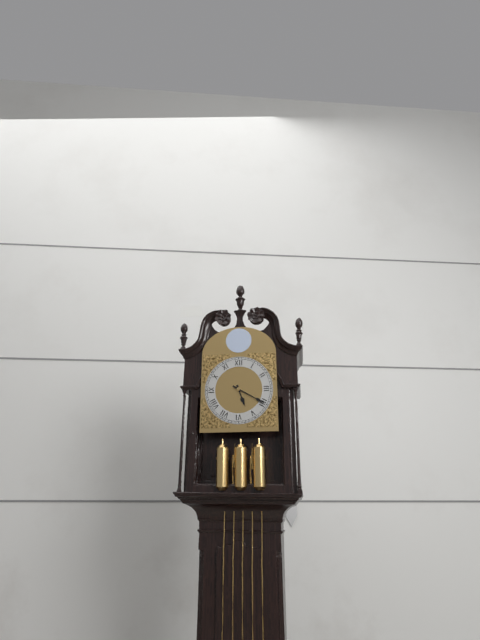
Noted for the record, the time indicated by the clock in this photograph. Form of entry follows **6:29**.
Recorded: **5:20**
